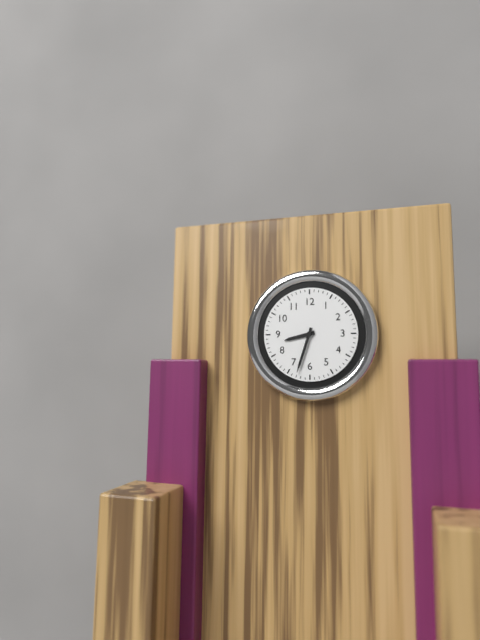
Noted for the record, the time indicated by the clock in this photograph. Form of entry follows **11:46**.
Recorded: **8:33**
